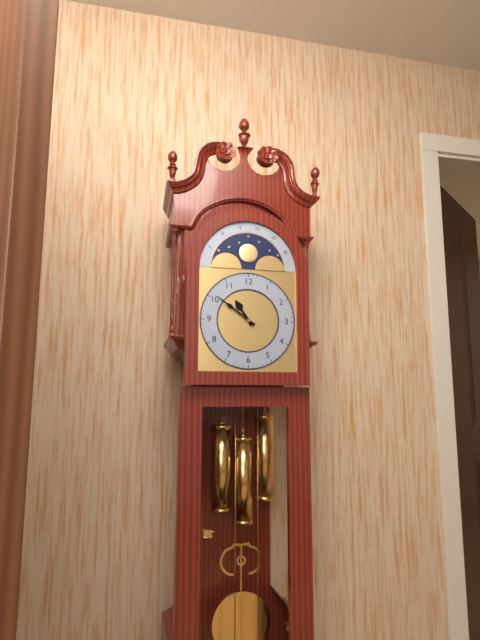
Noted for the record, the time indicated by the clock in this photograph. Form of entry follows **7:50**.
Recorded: **10:51**
